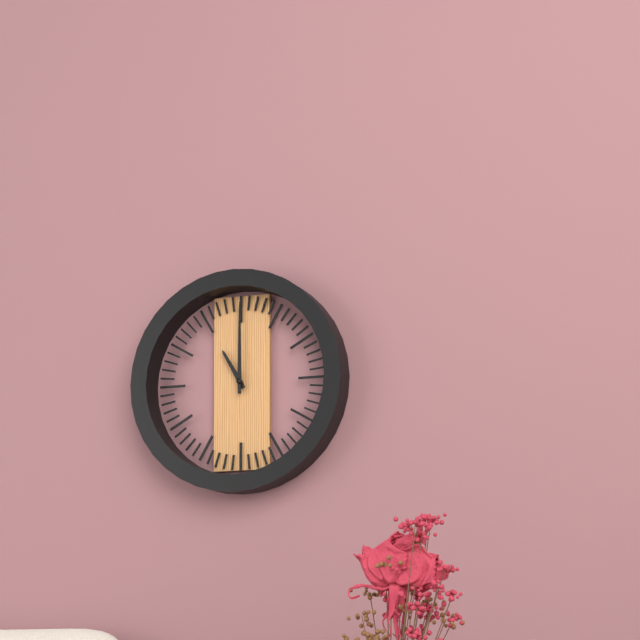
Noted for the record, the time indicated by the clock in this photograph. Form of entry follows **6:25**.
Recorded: **11:00**
